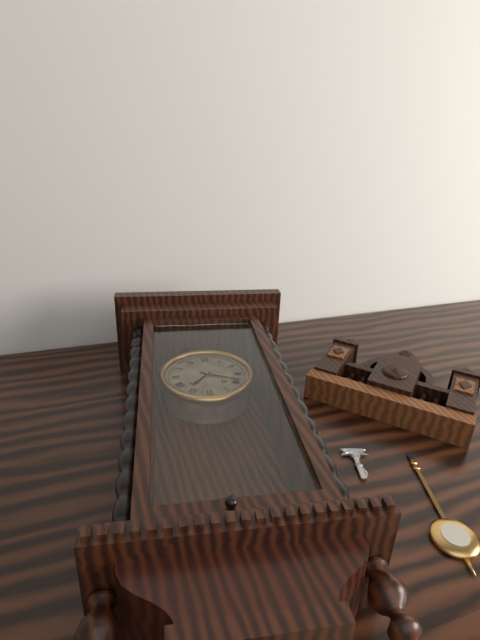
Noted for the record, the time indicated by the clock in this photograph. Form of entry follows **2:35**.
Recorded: **7:19**
